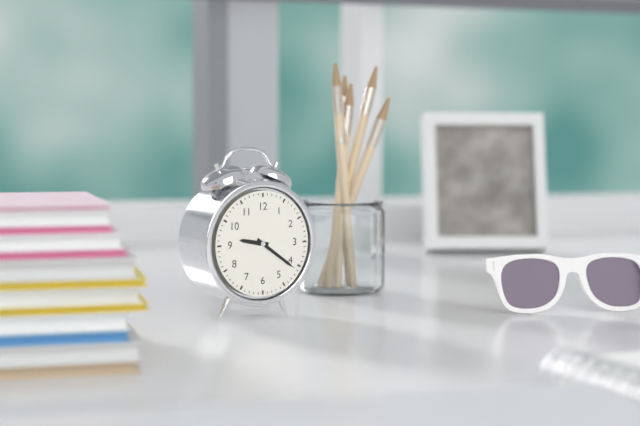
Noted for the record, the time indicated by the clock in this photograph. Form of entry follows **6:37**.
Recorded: **9:21**
